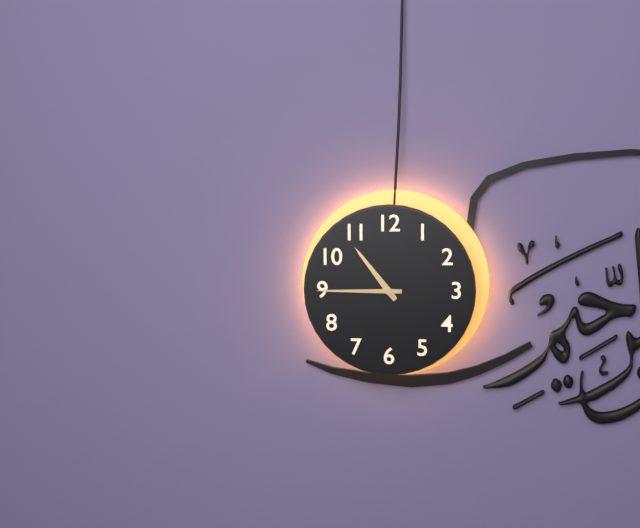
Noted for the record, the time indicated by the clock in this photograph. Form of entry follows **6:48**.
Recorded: **10:45**
